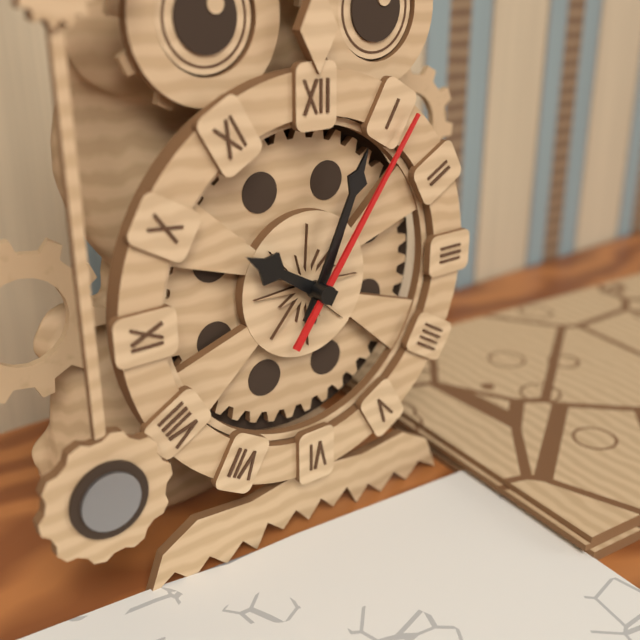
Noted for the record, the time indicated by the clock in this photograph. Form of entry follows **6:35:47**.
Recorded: **10:04:06**
